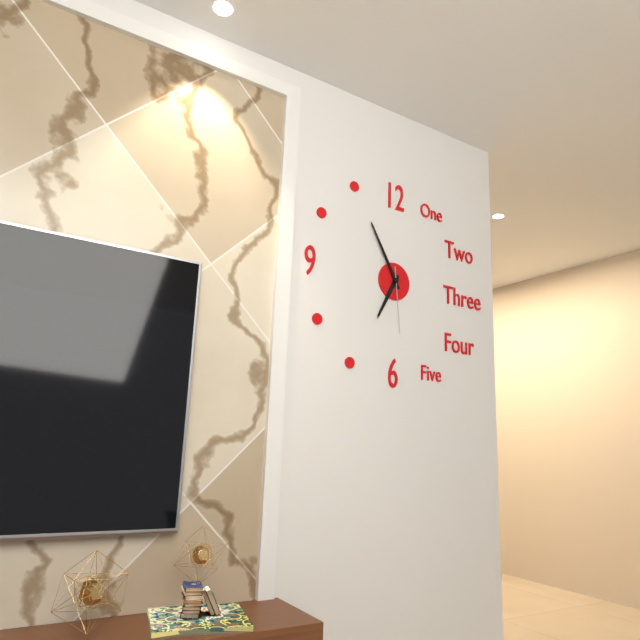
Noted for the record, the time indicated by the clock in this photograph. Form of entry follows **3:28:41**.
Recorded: **6:55:29**
